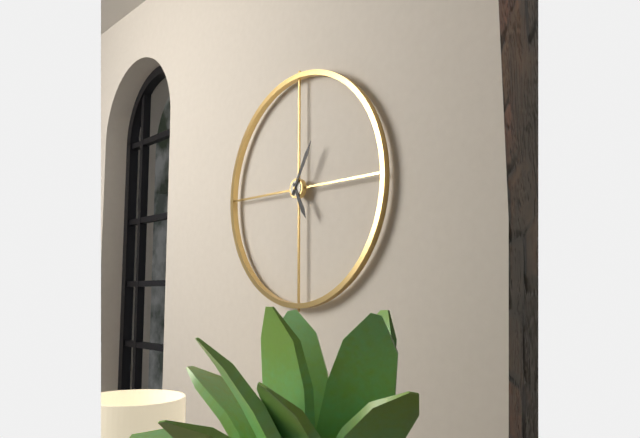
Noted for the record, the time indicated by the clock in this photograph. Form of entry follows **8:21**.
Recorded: **5:05**
